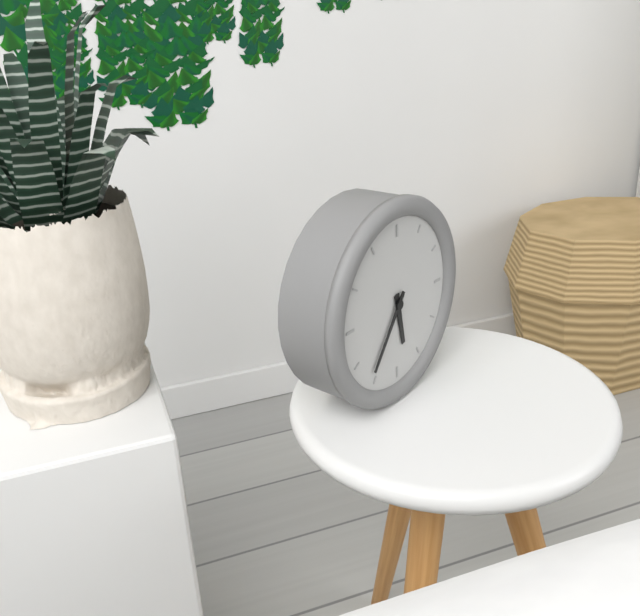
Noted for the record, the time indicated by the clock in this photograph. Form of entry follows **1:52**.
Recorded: **5:36**
